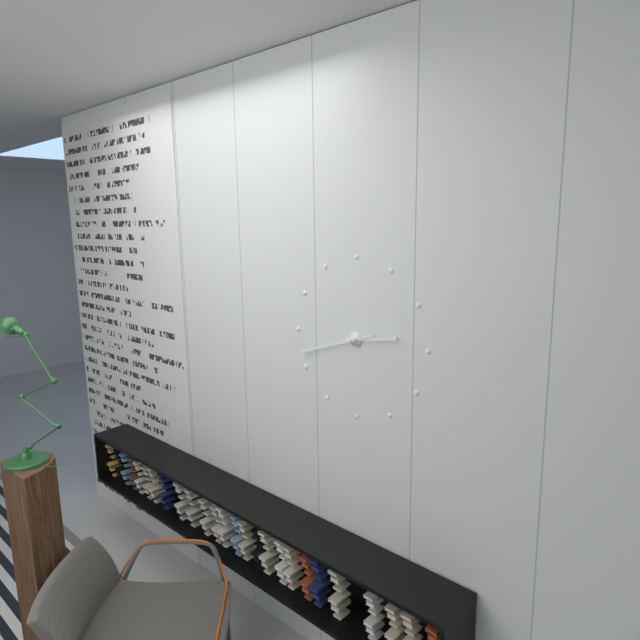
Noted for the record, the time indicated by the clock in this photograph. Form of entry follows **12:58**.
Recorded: **2:42**
